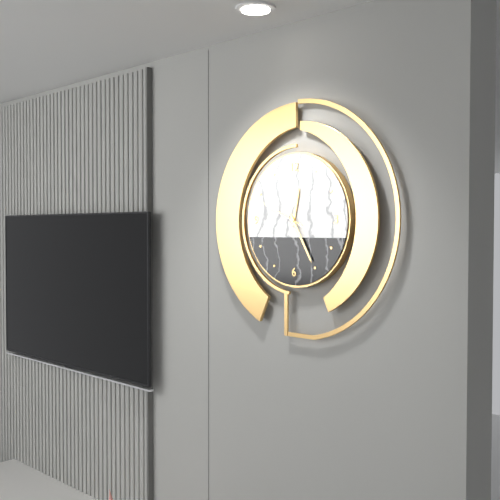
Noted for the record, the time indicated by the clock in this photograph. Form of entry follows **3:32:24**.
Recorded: **12:25:49**
